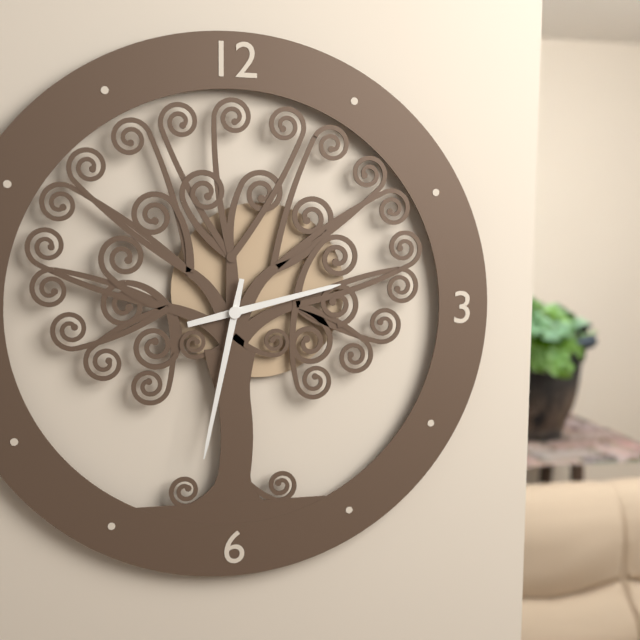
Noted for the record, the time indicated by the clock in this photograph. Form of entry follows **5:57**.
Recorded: **2:32**
